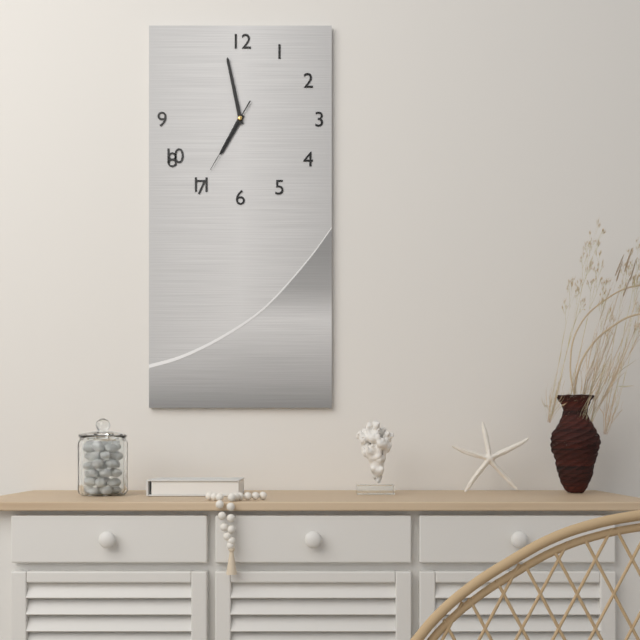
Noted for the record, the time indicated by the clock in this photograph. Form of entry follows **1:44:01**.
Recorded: **6:58:35**
